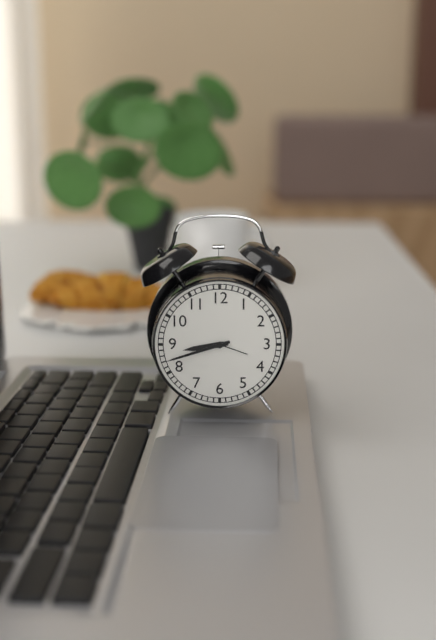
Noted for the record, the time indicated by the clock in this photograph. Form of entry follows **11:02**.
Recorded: **8:42**
